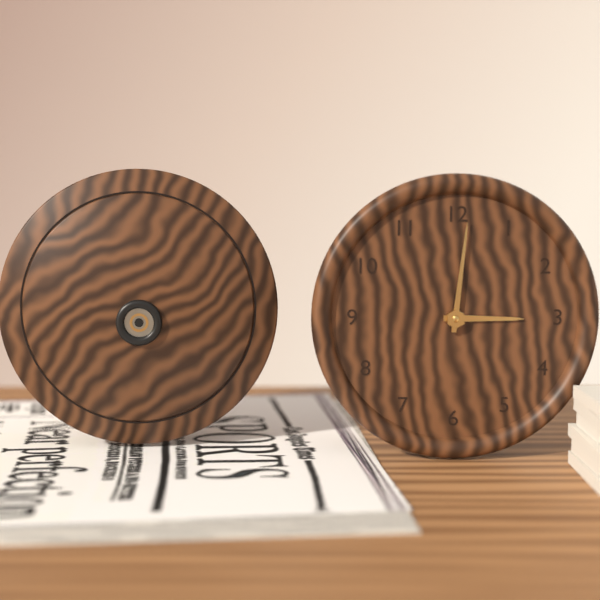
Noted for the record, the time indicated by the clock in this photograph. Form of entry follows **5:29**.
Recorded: **3:01**
